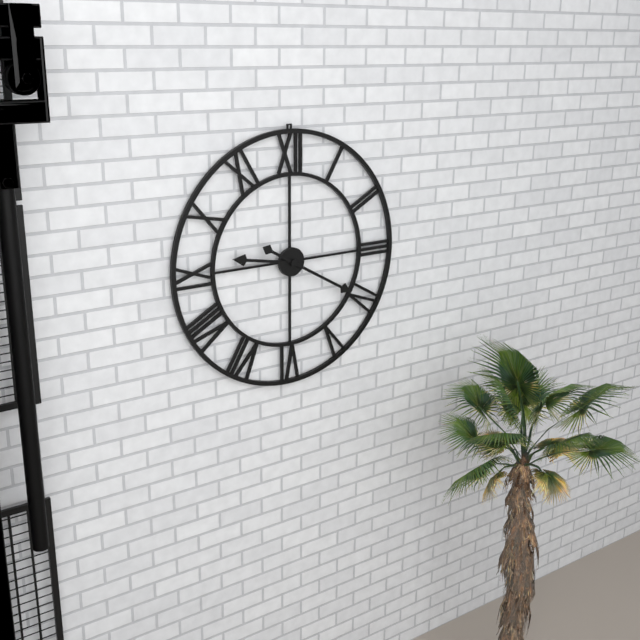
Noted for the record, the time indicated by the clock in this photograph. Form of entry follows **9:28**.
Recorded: **9:20**
